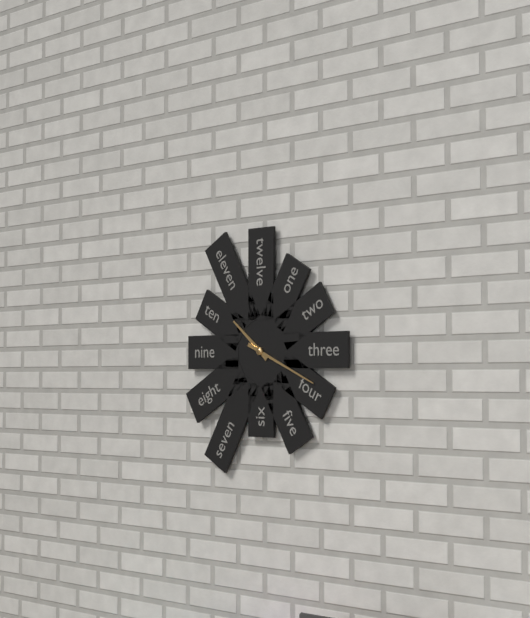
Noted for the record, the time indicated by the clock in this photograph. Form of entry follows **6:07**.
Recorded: **10:19**
